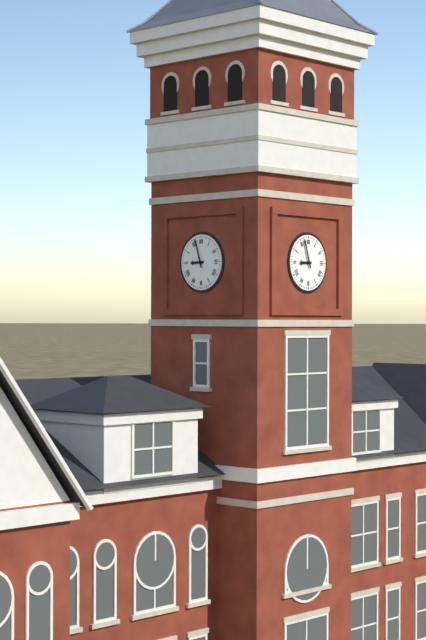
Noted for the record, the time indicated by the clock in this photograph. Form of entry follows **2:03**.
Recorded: **8:57**
